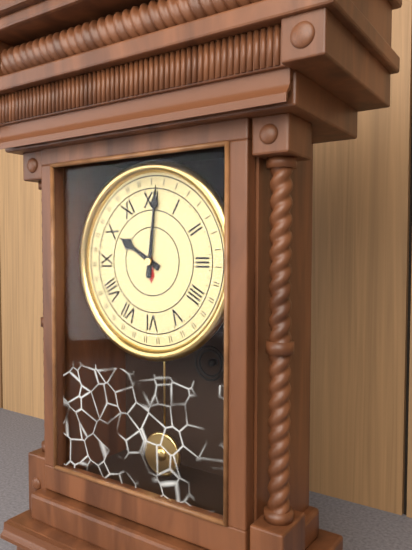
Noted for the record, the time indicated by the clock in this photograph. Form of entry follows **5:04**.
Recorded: **10:01**
